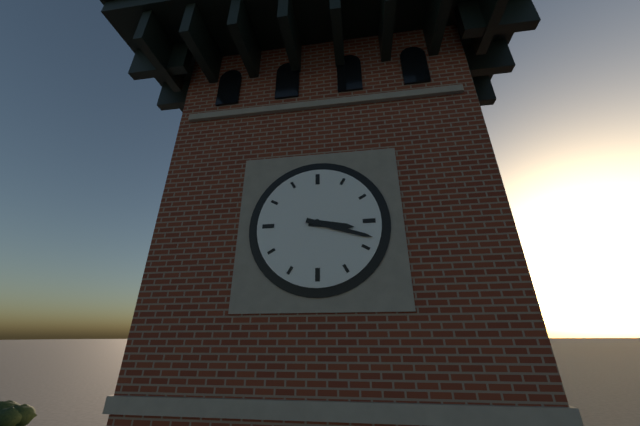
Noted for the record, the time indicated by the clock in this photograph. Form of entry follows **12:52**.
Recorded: **3:18**
